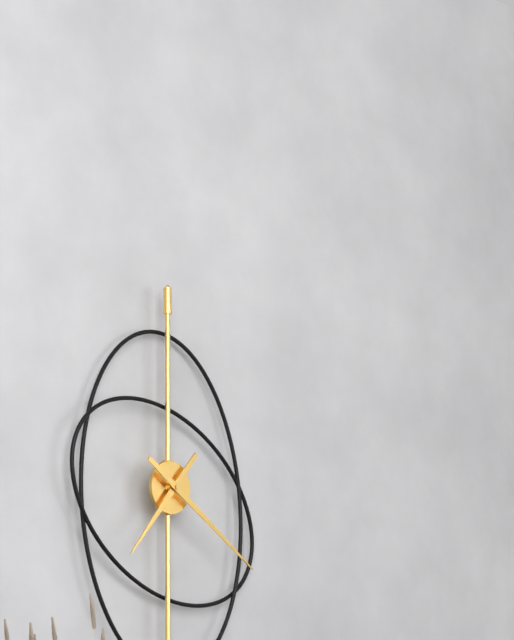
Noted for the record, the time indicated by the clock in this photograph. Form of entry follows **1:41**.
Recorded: **7:21**
